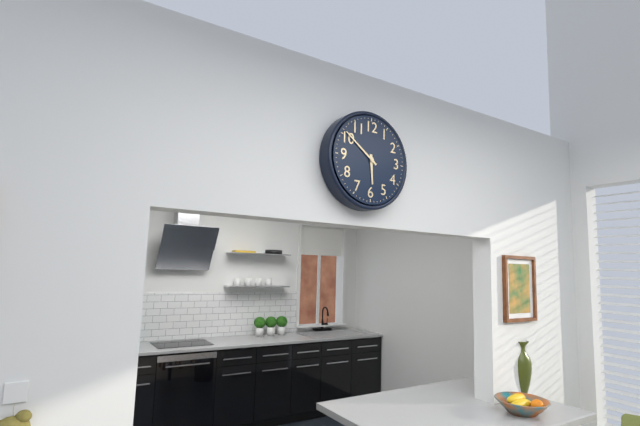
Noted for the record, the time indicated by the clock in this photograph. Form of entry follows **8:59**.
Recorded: **5:51**
